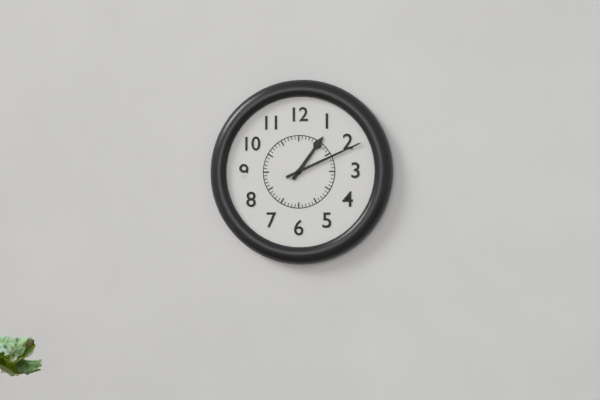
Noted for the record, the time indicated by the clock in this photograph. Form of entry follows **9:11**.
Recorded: **1:11**
